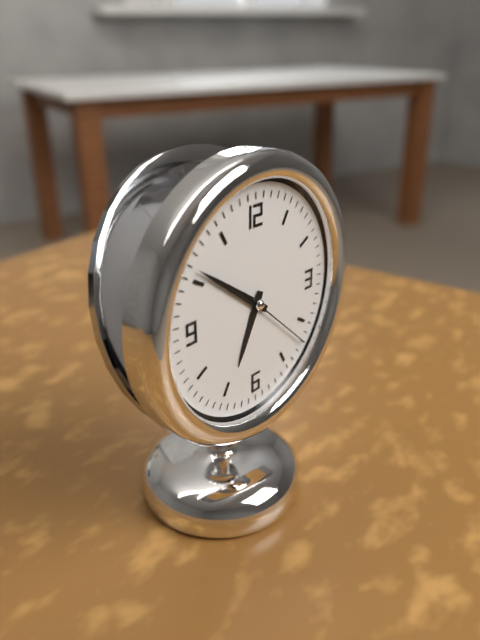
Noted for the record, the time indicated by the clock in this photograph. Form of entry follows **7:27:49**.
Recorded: **6:51:22**
